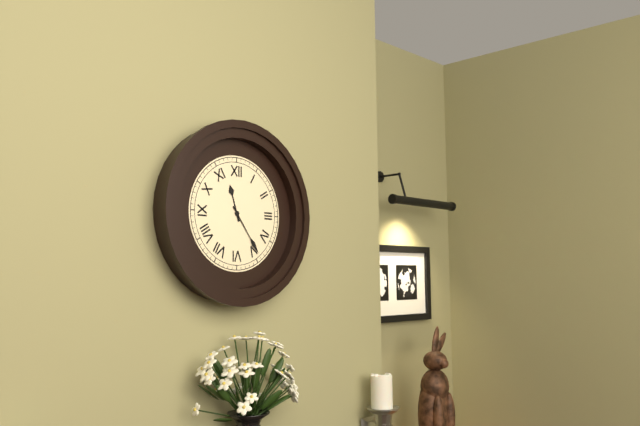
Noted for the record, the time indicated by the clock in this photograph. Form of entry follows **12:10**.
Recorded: **11:24**
